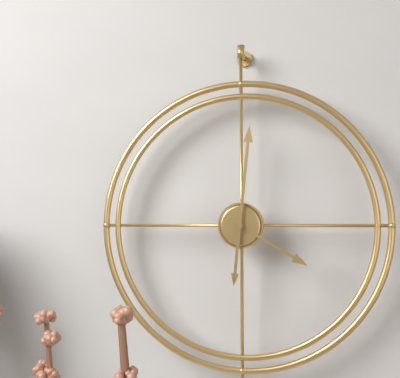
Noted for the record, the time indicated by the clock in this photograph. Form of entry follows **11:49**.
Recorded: **4:01**
